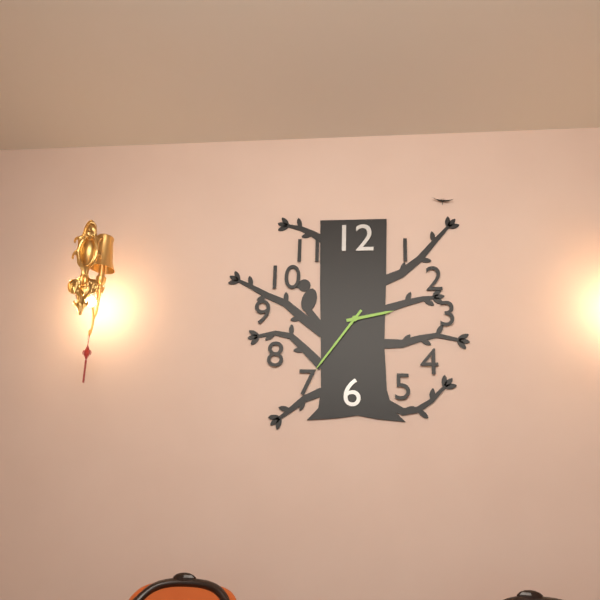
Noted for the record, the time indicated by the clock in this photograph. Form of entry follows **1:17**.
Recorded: **2:36**
